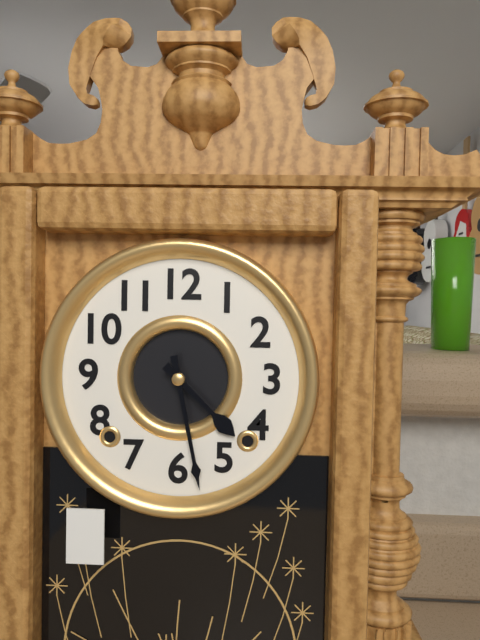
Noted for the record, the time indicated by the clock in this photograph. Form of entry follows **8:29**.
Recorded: **4:28**
